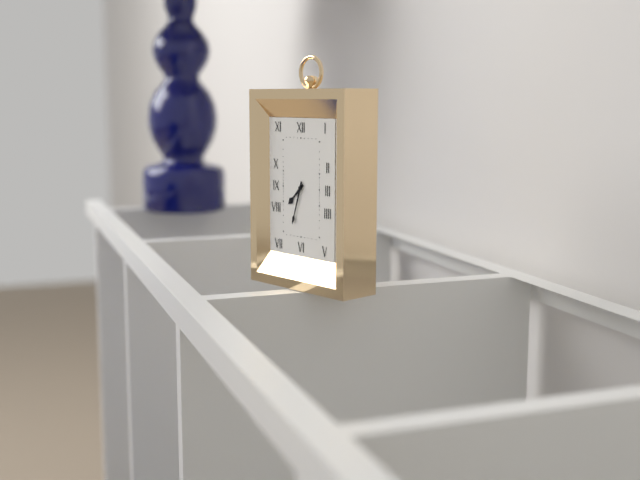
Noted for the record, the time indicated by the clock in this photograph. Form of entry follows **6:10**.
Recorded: **7:33**
